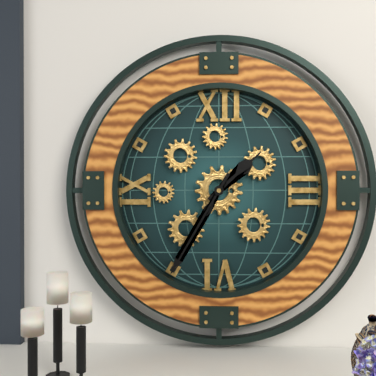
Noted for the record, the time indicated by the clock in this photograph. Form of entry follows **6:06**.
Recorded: **1:35**
